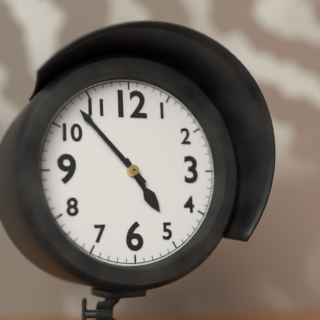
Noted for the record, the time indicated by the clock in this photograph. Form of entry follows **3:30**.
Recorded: **4:53**
